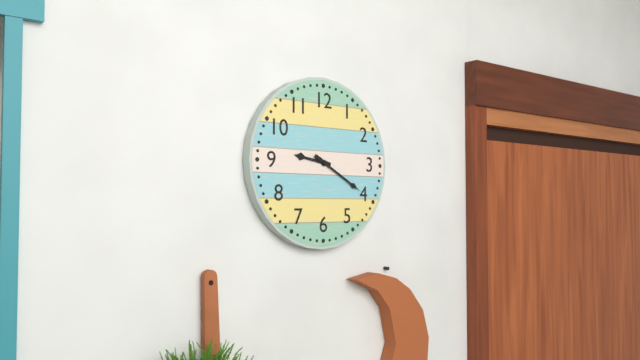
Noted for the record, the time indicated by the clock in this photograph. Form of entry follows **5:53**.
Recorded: **9:20**
